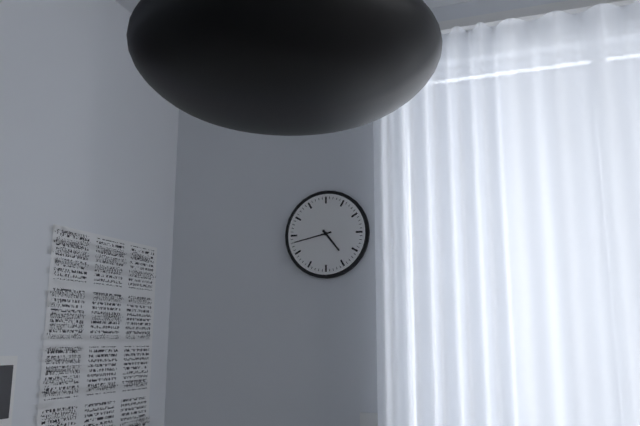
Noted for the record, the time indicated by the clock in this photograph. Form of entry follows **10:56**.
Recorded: **4:43**
